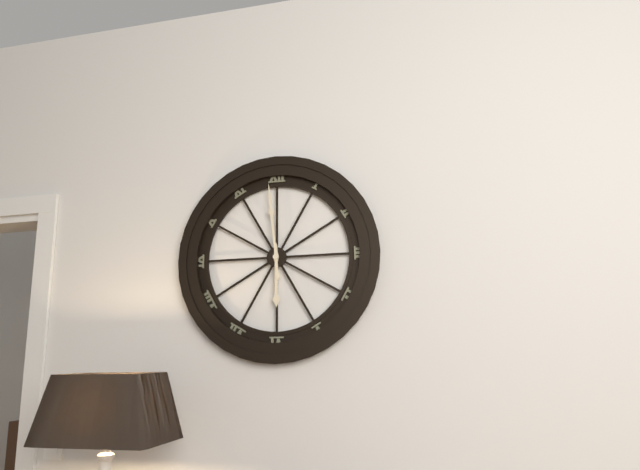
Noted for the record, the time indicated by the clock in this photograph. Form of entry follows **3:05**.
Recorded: **5:59**
